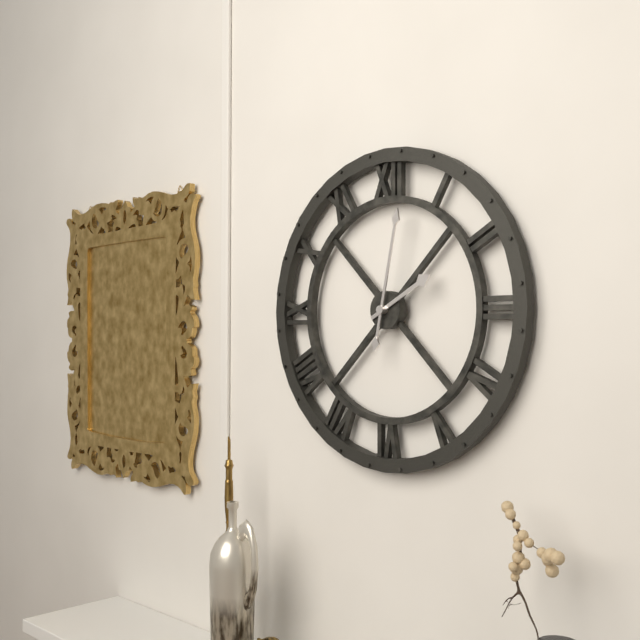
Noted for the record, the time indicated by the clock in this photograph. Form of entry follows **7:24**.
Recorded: **2:02**
